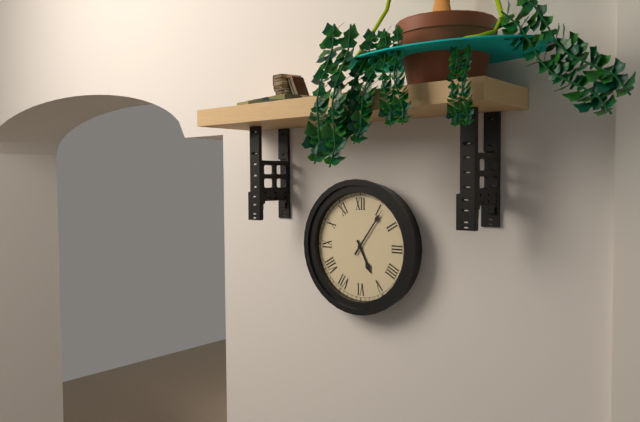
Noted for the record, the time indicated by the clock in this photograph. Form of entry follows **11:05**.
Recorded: **5:06**
